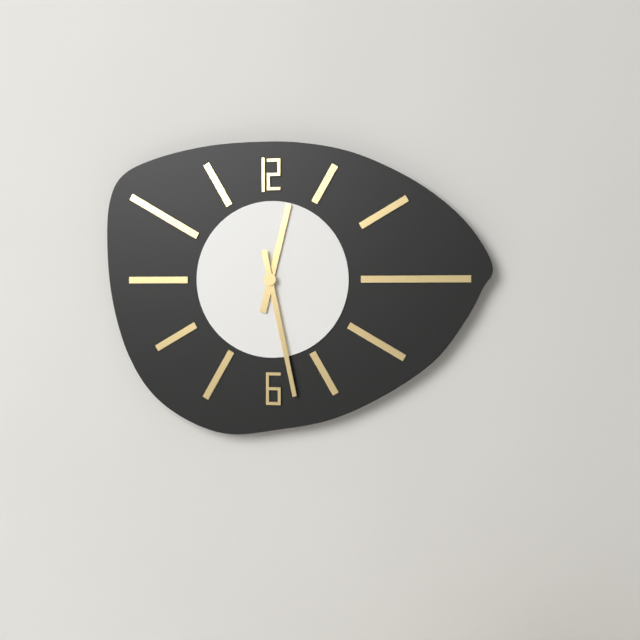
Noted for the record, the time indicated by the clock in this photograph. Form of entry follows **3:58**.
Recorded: **12:28**
